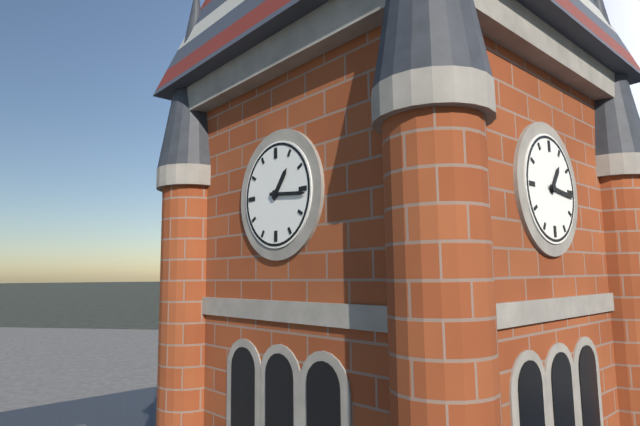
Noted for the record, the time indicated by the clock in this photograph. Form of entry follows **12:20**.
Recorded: **1:16**
